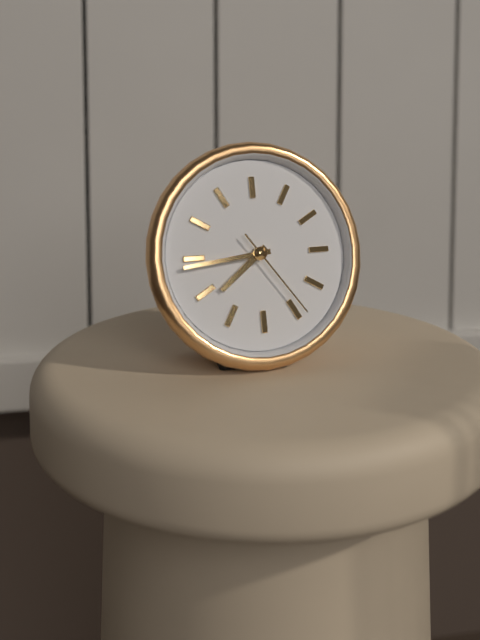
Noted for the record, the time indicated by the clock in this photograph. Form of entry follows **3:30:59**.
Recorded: **7:44:24**
